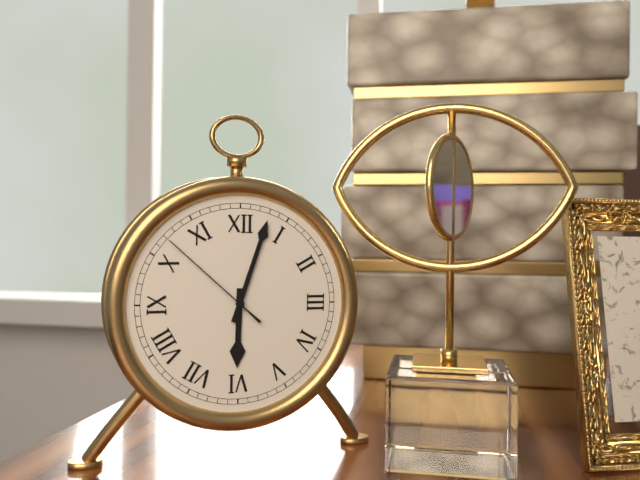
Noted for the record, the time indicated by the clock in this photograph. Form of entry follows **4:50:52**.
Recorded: **6:03:52**
